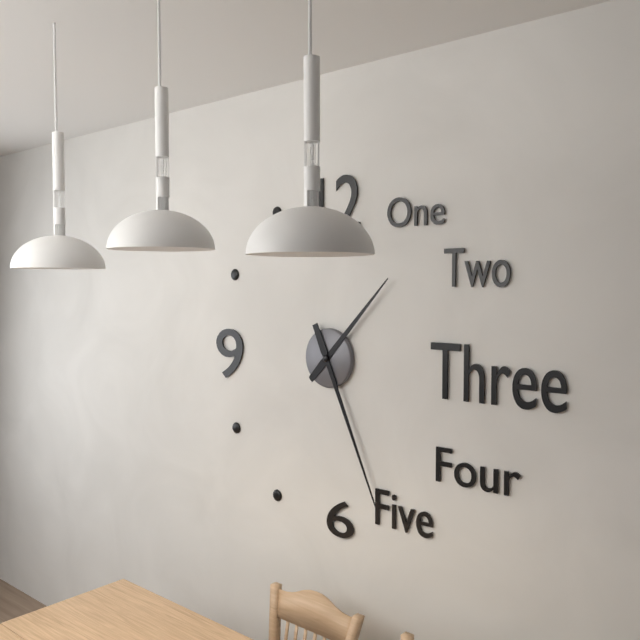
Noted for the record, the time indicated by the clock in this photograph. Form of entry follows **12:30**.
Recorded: **1:26**
